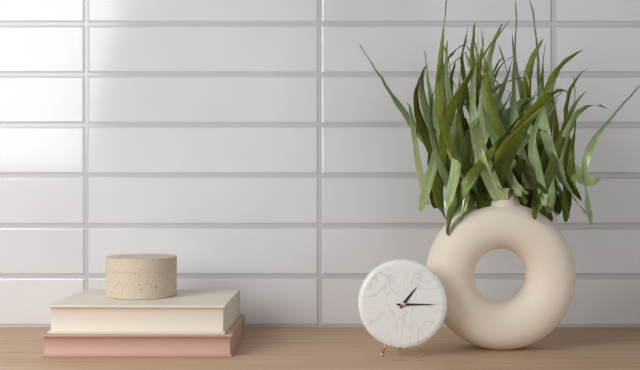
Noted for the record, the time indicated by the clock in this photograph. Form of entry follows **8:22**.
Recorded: **1:15**
